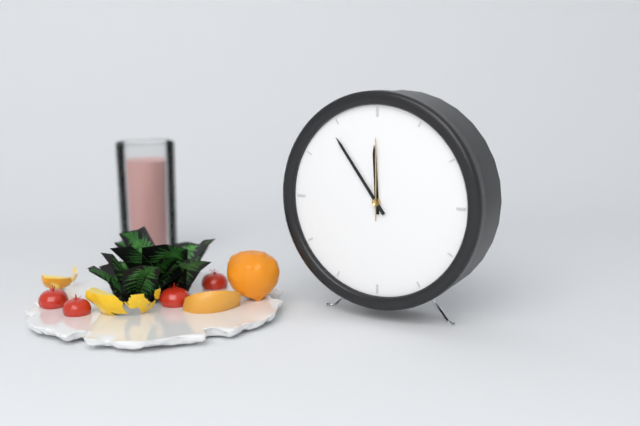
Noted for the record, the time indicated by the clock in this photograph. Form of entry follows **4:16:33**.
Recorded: **11:54:00**
